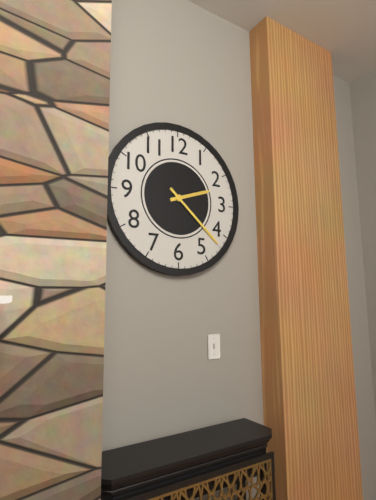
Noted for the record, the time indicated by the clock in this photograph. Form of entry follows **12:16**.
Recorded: **2:22**
